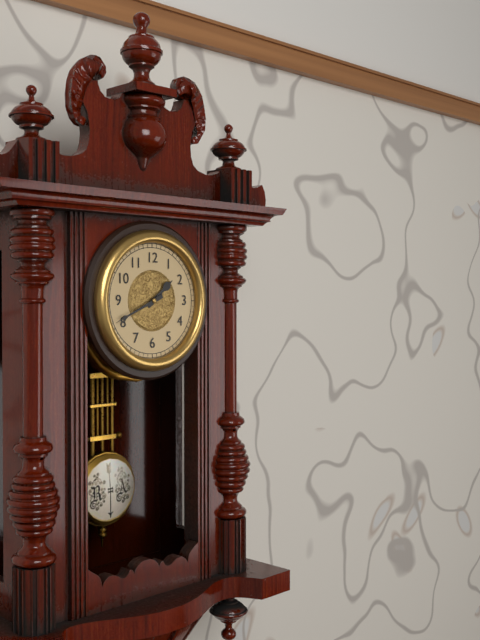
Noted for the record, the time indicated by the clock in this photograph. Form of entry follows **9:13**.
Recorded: **1:41**
